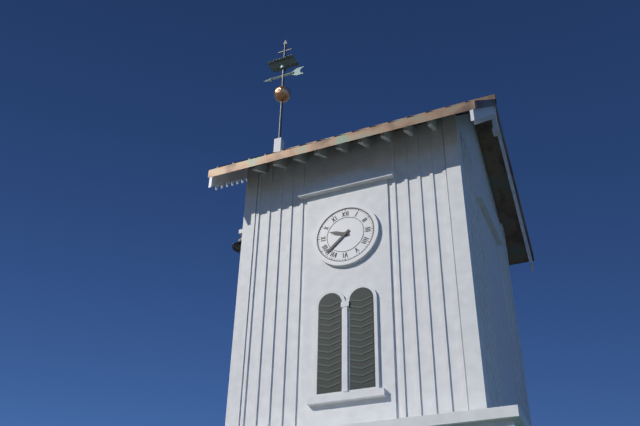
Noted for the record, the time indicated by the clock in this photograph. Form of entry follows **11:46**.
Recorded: **9:38**
